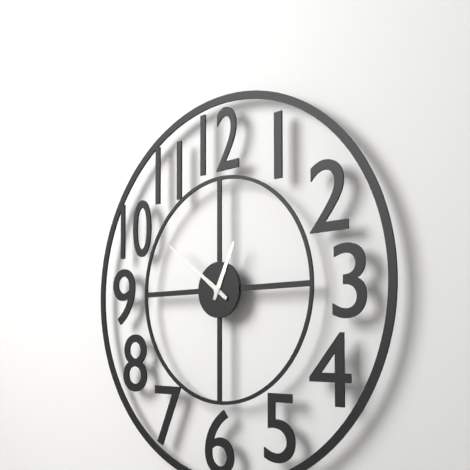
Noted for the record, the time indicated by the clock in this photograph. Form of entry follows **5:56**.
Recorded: **12:51**
